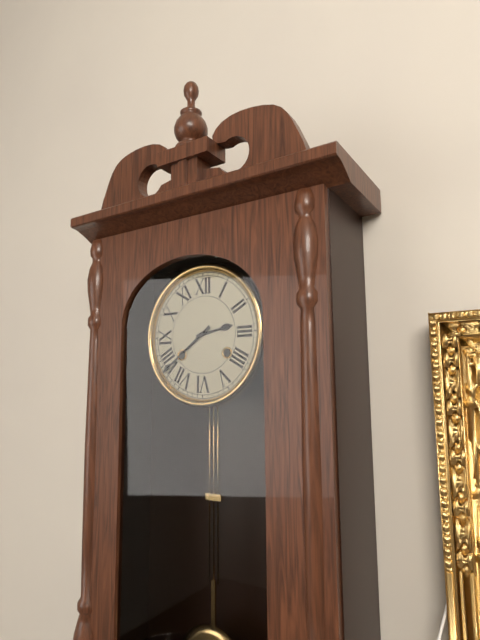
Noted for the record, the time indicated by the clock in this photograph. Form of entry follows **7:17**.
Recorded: **2:39**
